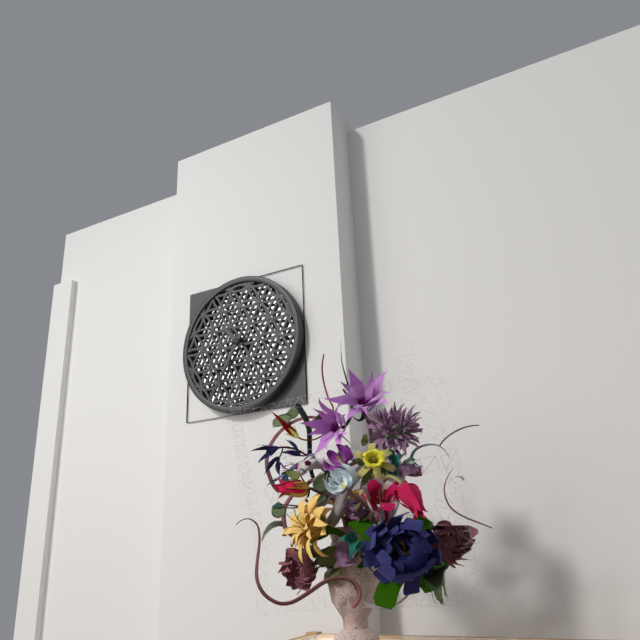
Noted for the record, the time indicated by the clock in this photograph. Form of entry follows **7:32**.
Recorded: **10:35**
